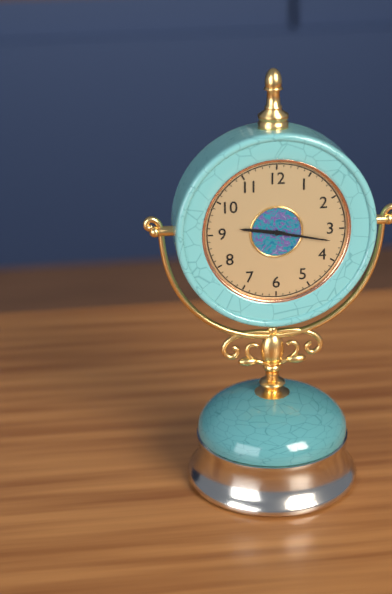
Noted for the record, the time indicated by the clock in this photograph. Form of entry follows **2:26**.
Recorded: **9:17**
